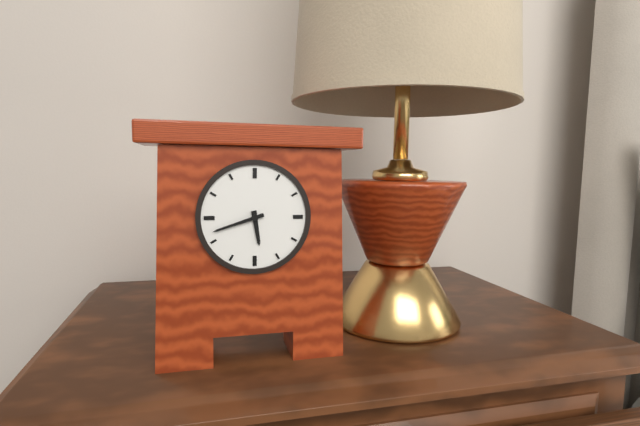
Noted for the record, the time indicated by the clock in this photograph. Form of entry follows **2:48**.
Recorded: **5:42**
